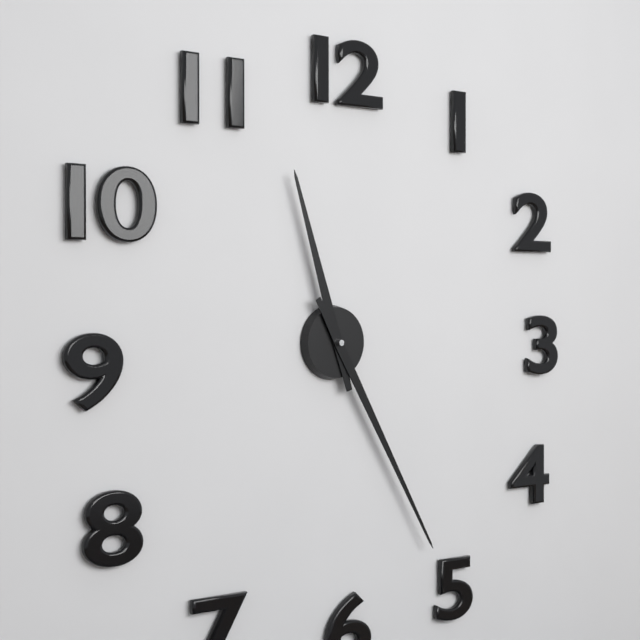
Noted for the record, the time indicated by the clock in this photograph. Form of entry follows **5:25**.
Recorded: **11:25**
